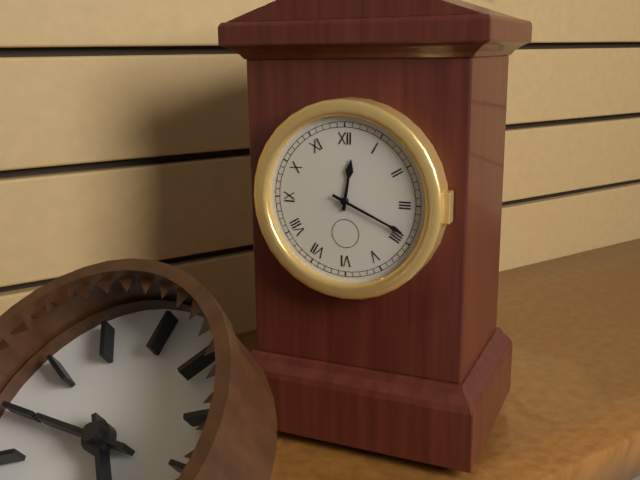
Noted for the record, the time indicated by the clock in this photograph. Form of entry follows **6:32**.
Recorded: **12:19**
